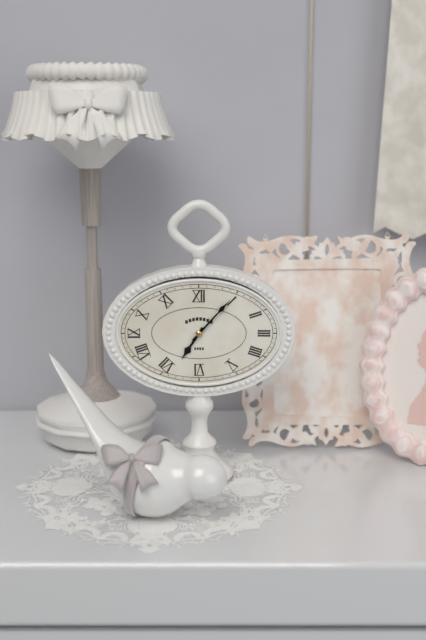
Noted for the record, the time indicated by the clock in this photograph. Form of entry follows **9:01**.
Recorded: **7:07**
